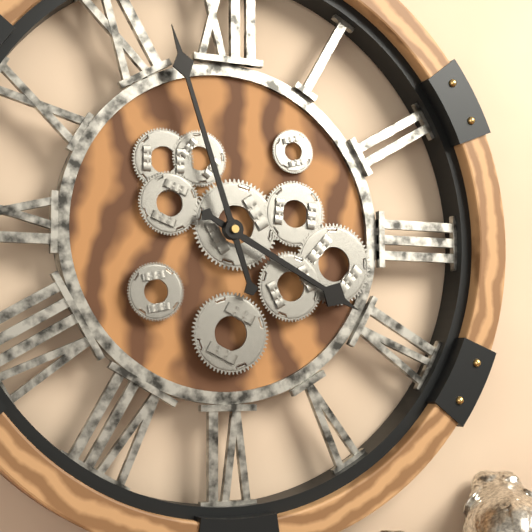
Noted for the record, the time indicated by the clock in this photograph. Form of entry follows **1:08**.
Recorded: **3:57**
